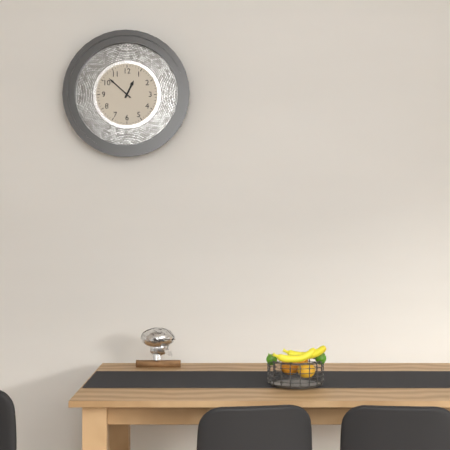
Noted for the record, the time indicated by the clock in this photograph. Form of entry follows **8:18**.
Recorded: **12:52**
